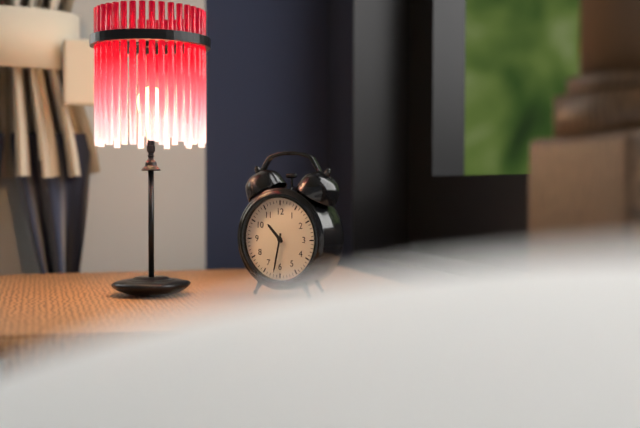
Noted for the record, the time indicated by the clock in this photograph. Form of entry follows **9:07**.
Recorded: **10:32**
